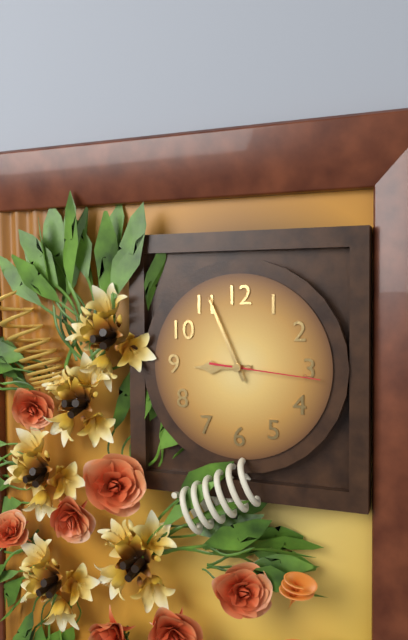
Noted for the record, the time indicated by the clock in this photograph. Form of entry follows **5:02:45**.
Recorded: **8:56:16**
